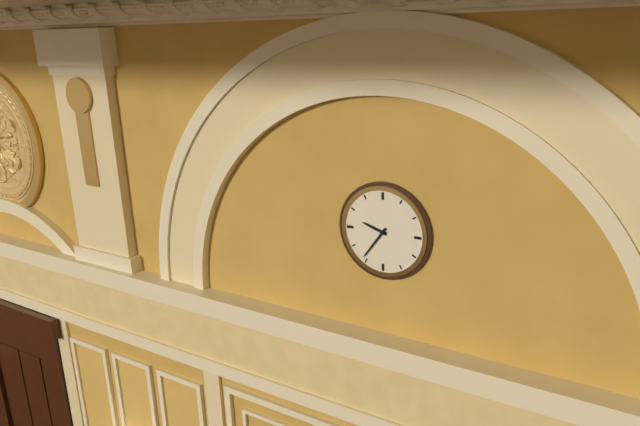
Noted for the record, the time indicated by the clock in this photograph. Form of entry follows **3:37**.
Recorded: **9:36**
